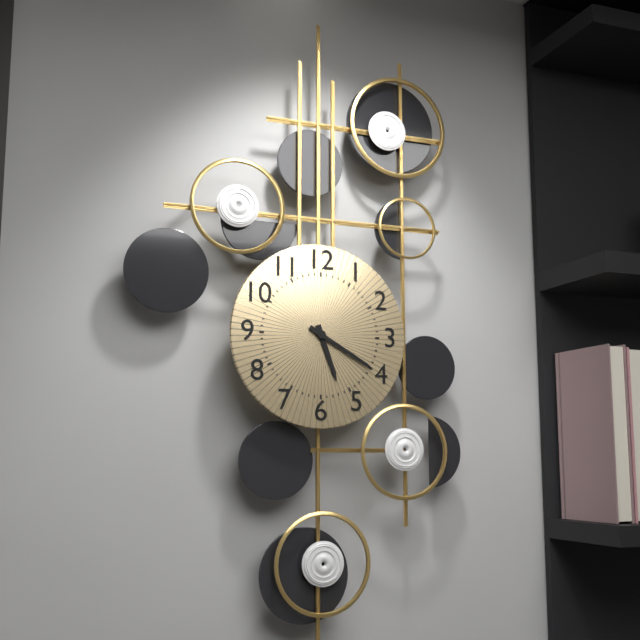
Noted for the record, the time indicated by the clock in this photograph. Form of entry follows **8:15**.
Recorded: **5:20**
